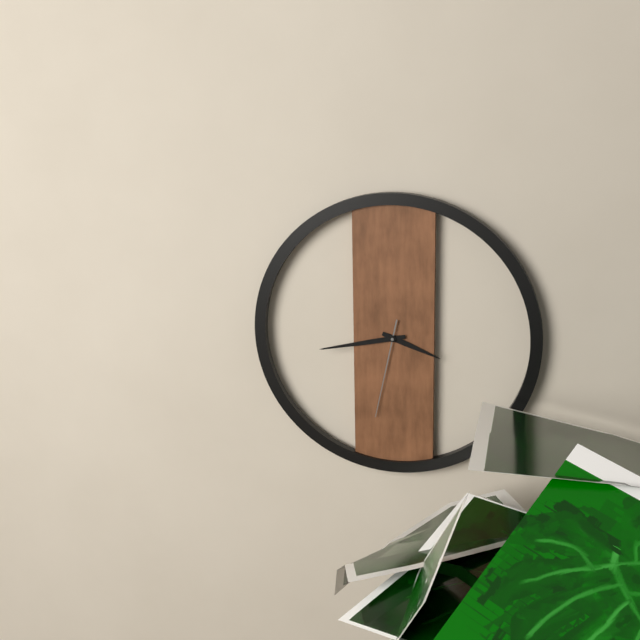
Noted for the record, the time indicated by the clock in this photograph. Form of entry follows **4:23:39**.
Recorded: **3:43:32**
